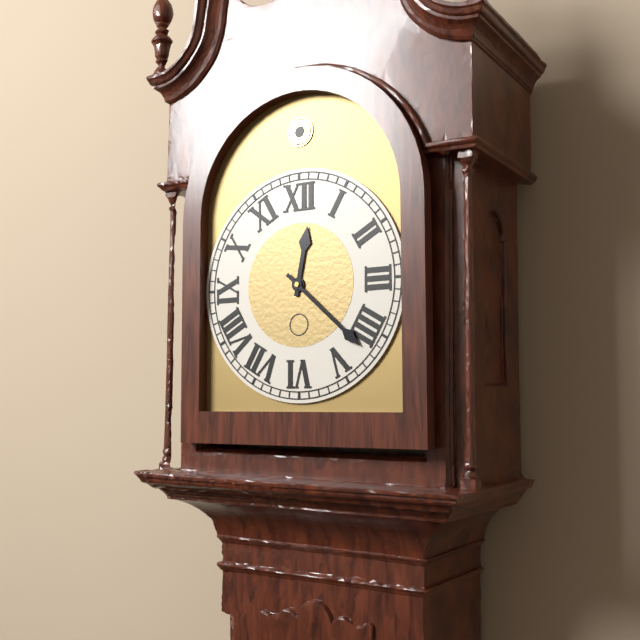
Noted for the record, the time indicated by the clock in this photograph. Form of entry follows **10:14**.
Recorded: **12:22**
